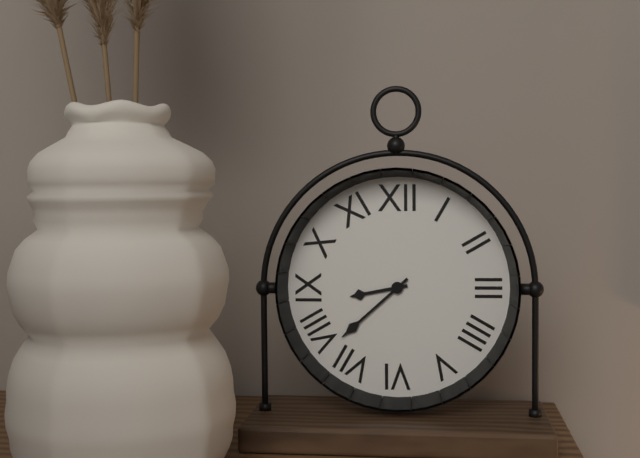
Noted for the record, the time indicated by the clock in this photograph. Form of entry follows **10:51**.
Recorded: **8:38**
